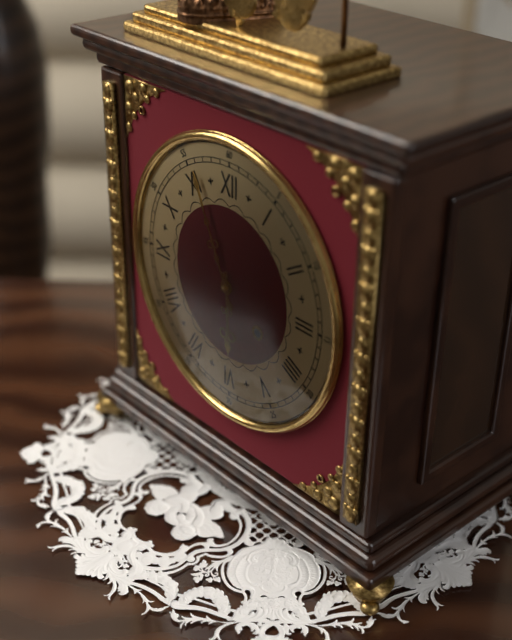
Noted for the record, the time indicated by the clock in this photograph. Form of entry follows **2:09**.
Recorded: **5:56**
